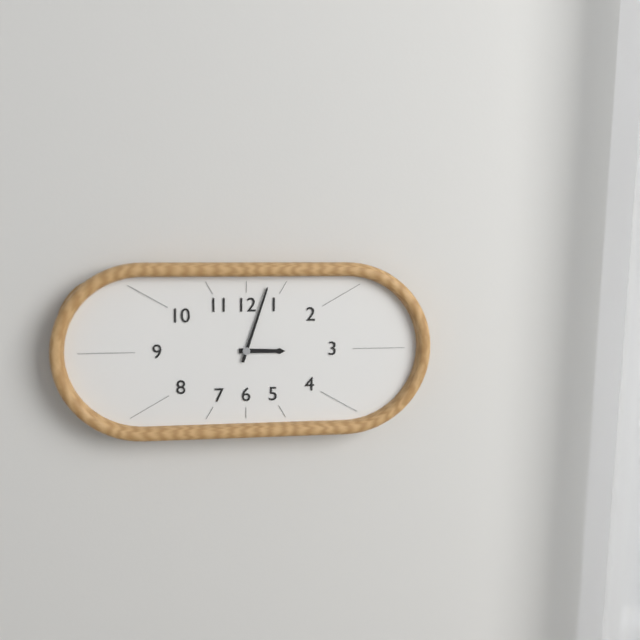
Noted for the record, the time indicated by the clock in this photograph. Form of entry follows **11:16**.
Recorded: **3:03**
